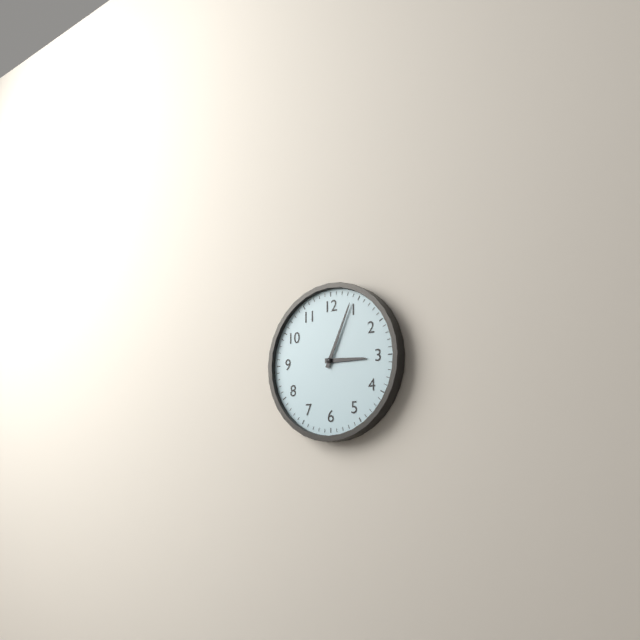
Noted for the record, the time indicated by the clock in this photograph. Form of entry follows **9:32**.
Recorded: **3:04**
